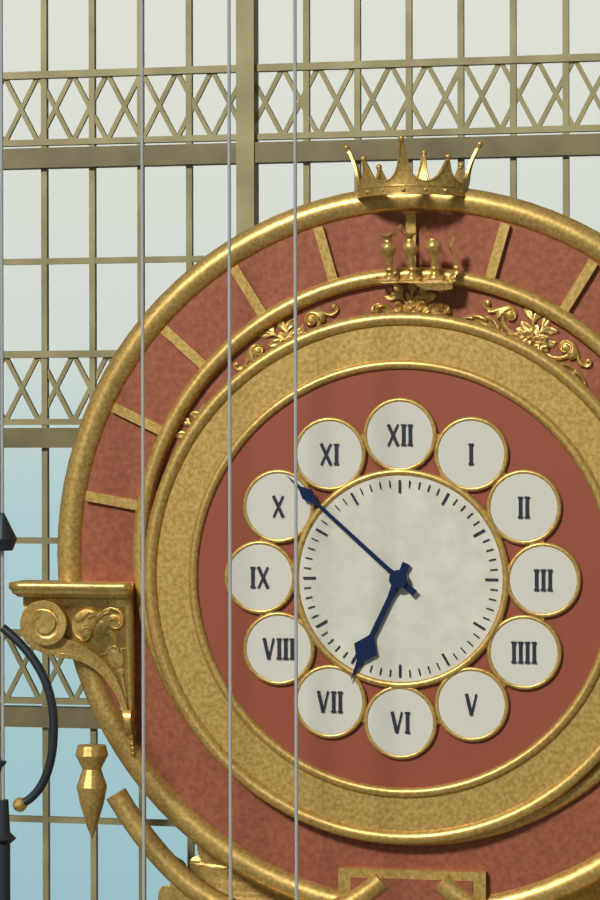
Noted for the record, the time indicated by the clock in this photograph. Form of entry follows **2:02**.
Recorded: **6:52**
